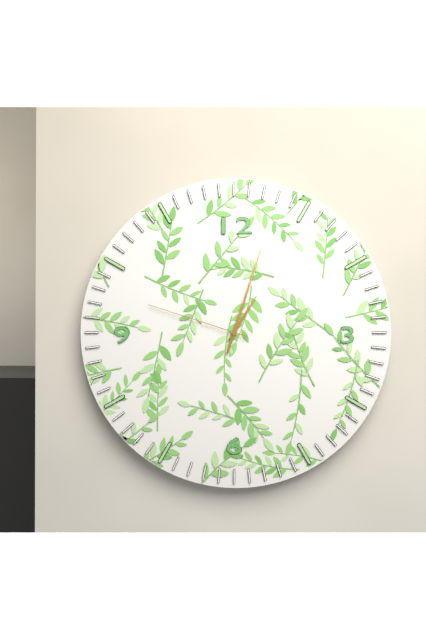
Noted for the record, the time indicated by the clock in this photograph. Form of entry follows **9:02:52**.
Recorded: **1:03:48**
